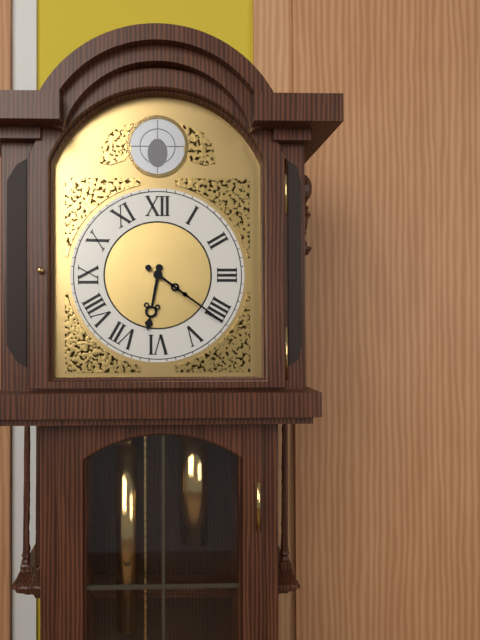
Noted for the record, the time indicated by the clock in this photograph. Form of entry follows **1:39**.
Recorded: **6:21**
